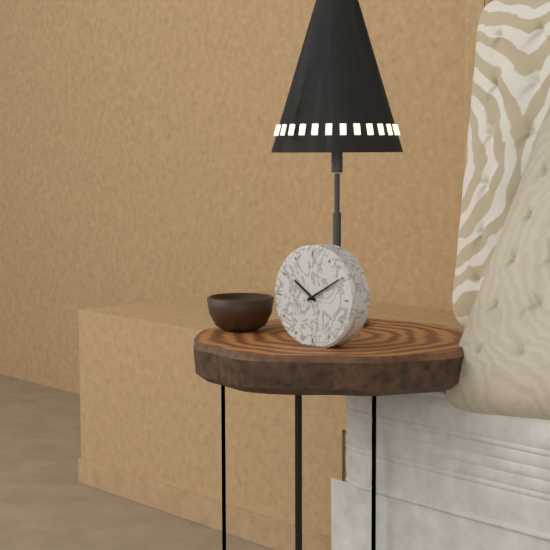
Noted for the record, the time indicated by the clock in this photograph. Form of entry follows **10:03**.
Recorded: **10:10**
